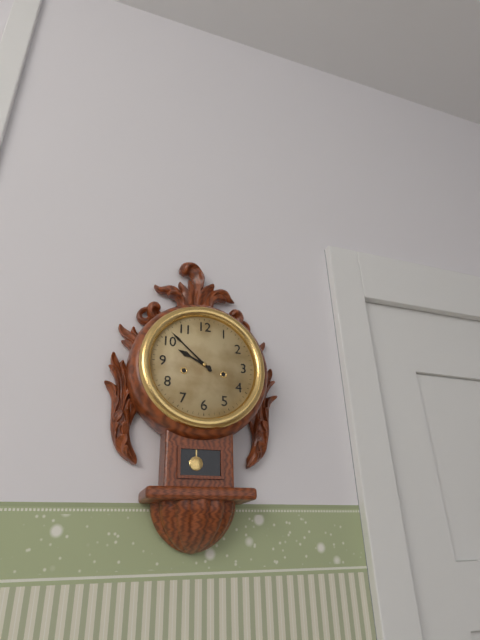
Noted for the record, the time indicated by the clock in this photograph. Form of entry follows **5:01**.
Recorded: **9:52**
